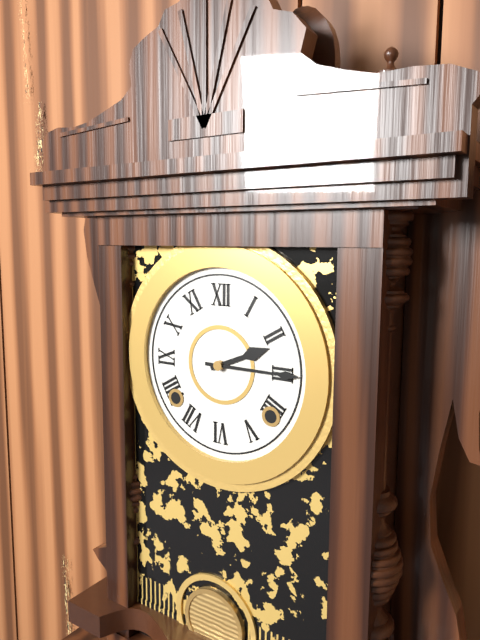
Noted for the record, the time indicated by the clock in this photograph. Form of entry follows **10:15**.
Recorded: **2:15**
